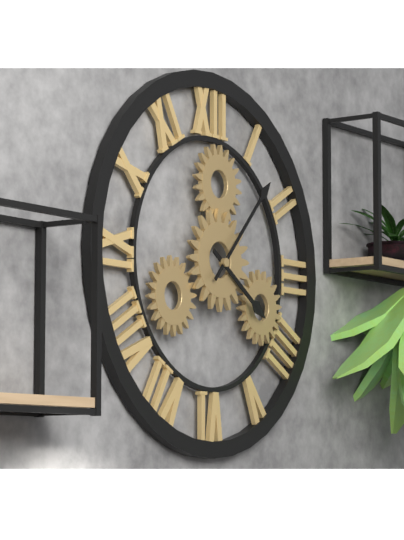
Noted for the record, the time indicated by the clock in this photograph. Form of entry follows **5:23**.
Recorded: **4:07**
